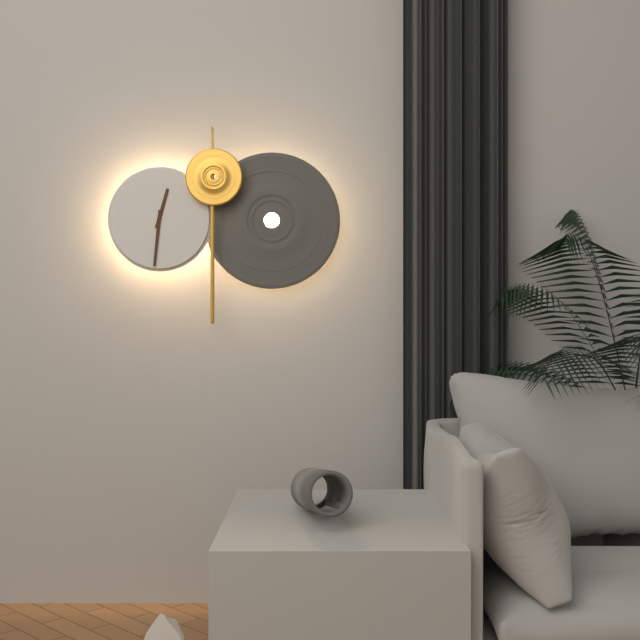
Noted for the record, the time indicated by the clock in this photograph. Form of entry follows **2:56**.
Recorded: **12:31**
